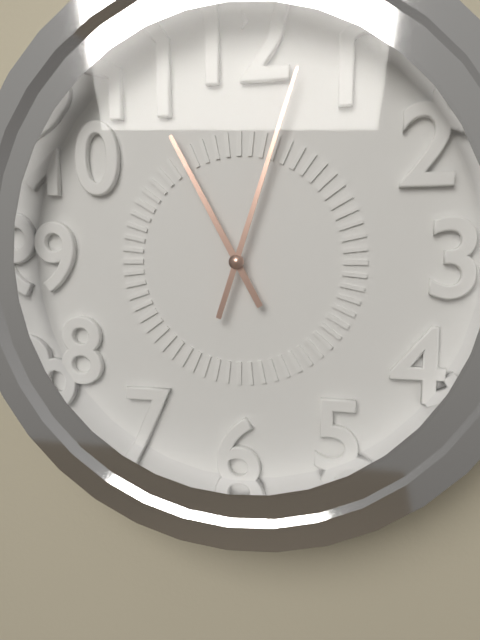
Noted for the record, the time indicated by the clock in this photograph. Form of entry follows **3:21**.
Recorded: **11:03**
